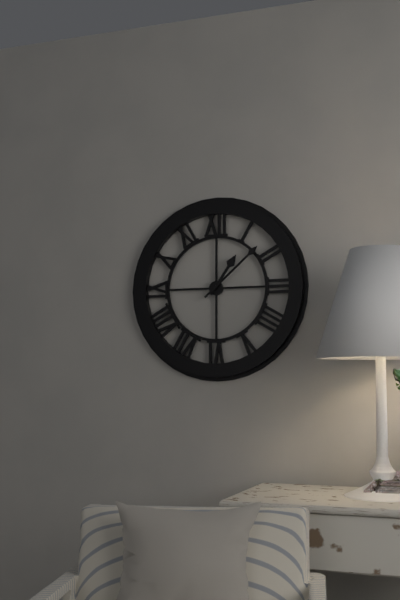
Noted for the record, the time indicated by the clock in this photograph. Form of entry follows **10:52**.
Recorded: **1:08**
